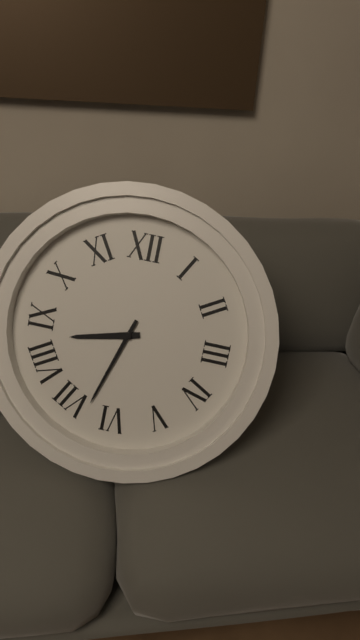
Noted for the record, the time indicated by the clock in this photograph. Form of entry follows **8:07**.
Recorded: **8:33**
